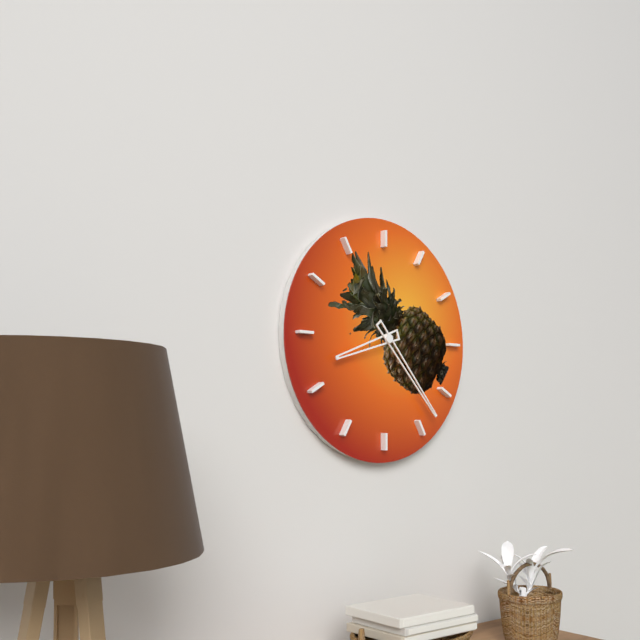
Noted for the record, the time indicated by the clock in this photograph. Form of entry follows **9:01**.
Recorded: **8:23**
